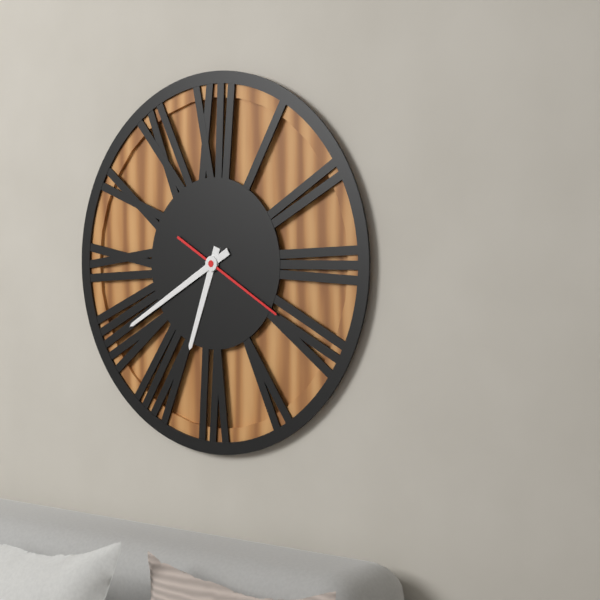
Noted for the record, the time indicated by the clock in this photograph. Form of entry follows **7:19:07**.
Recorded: **6:40:20**
